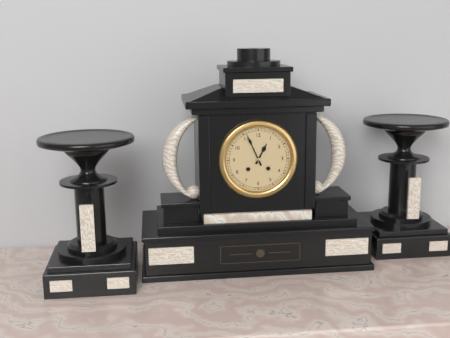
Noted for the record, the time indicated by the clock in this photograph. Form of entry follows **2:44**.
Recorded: **12:56**
